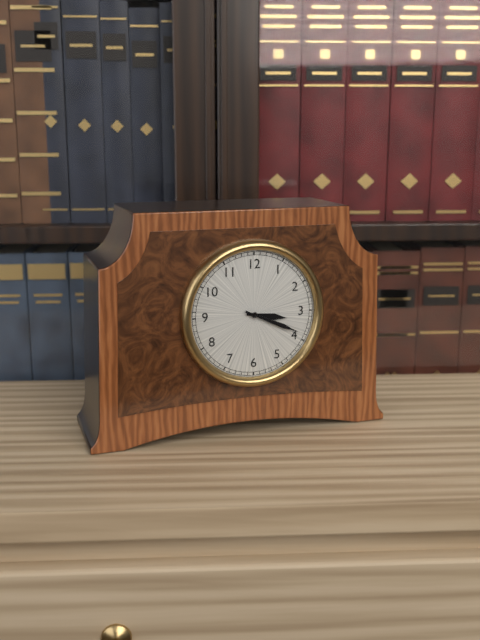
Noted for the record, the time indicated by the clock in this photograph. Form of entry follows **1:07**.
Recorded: **3:19**
